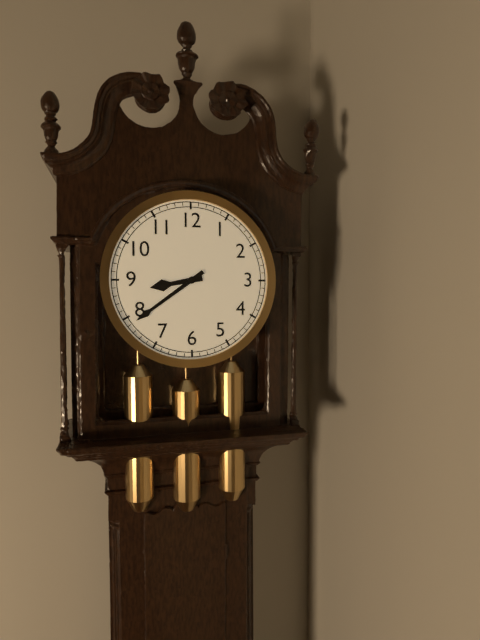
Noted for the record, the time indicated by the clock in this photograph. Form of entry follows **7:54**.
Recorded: **8:39**
